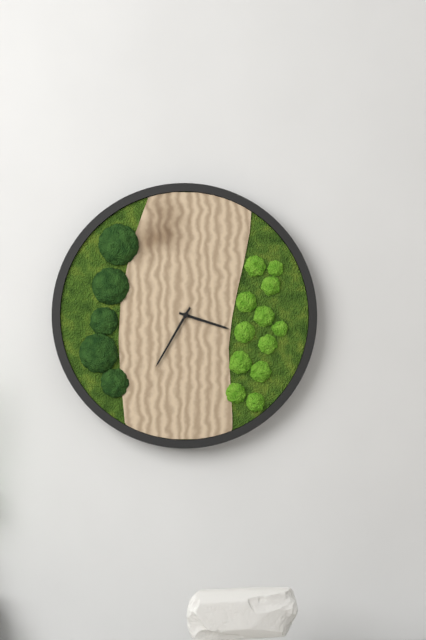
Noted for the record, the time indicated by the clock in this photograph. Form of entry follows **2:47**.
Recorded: **3:35**
